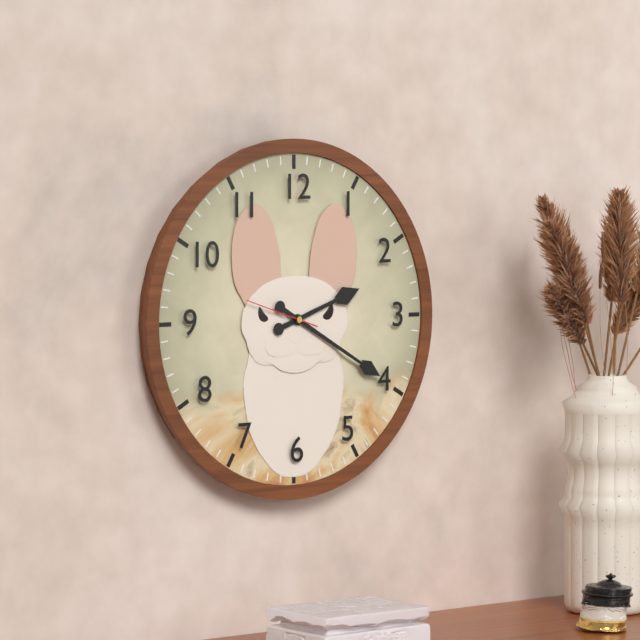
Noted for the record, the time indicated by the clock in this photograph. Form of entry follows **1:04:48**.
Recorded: **2:20:48**
